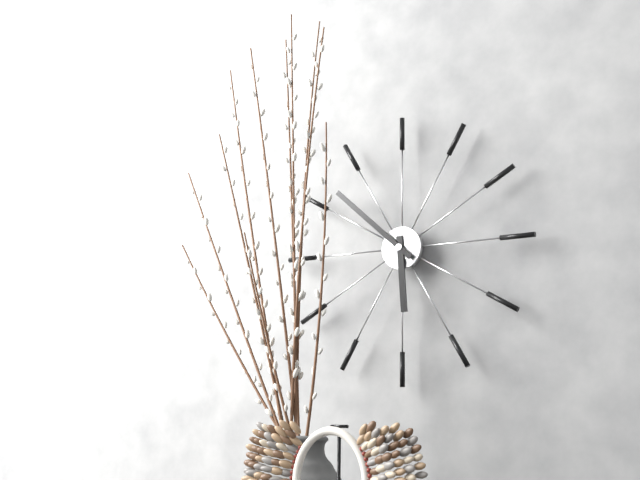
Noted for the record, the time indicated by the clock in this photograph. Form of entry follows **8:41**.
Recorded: **5:52**
